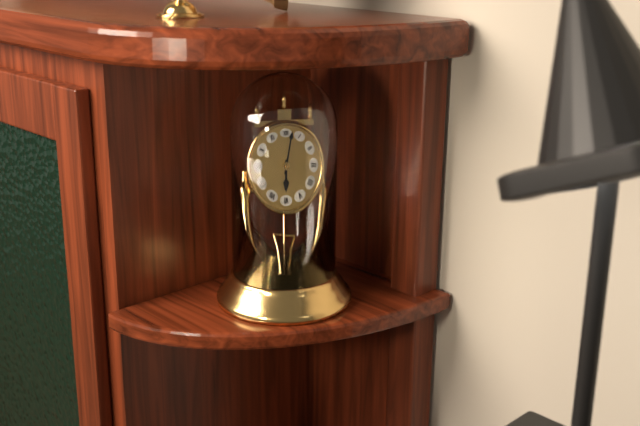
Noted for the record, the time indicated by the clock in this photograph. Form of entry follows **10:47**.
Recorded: **6:02**
